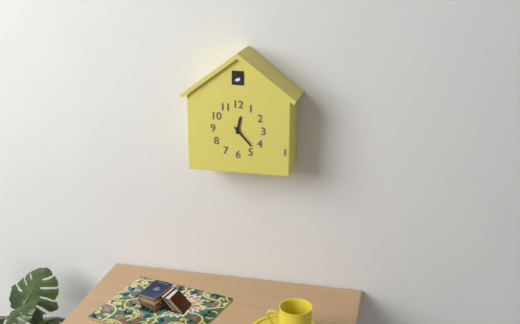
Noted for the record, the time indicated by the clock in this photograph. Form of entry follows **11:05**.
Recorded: **12:23**
